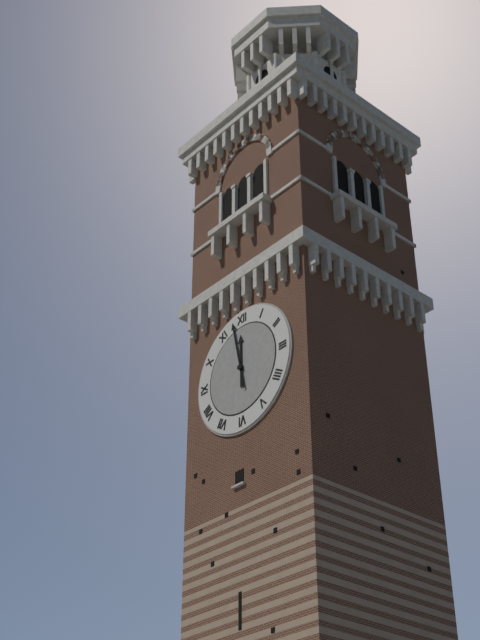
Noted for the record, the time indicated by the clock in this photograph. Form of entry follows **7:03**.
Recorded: **11:58**
